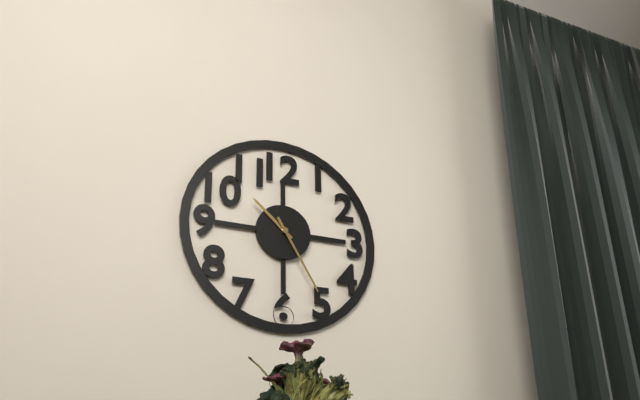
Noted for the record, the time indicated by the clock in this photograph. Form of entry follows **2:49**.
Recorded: **10:25**
